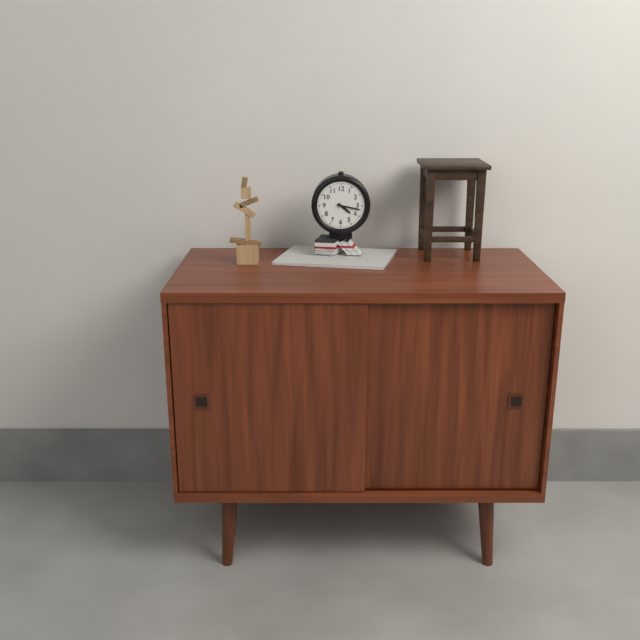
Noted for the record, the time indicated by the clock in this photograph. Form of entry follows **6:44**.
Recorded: **4:17**
